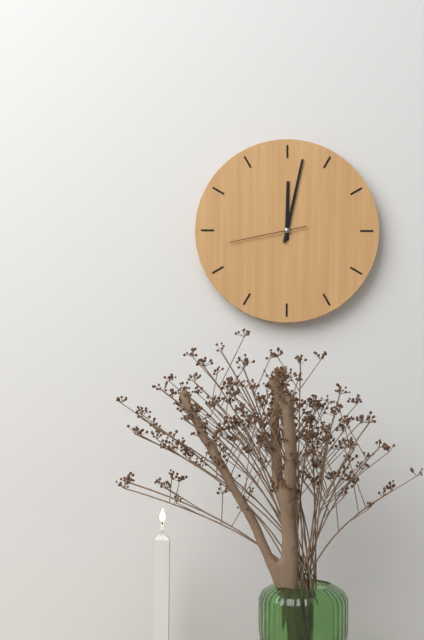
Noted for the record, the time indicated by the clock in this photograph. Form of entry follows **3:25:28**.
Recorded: **12:02:43**
